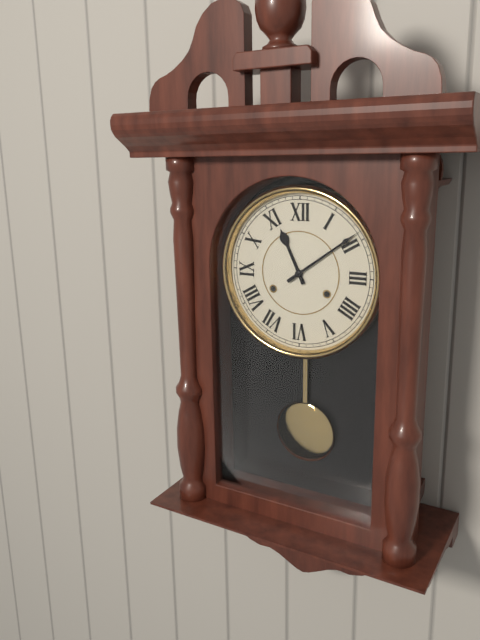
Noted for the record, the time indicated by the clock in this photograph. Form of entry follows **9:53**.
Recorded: **11:09**
